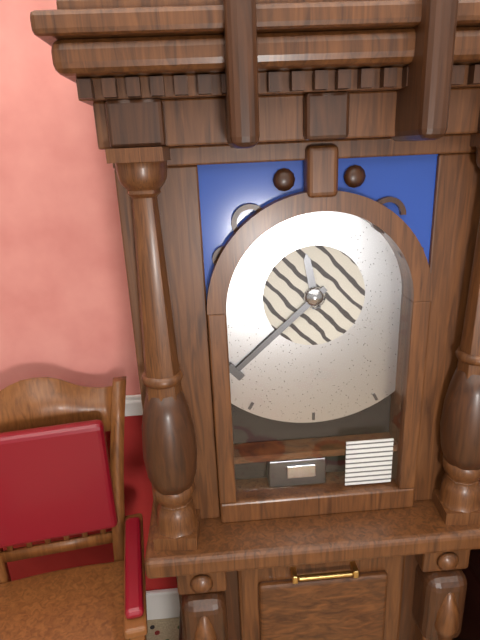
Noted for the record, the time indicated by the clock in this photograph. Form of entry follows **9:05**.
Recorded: **11:38**
